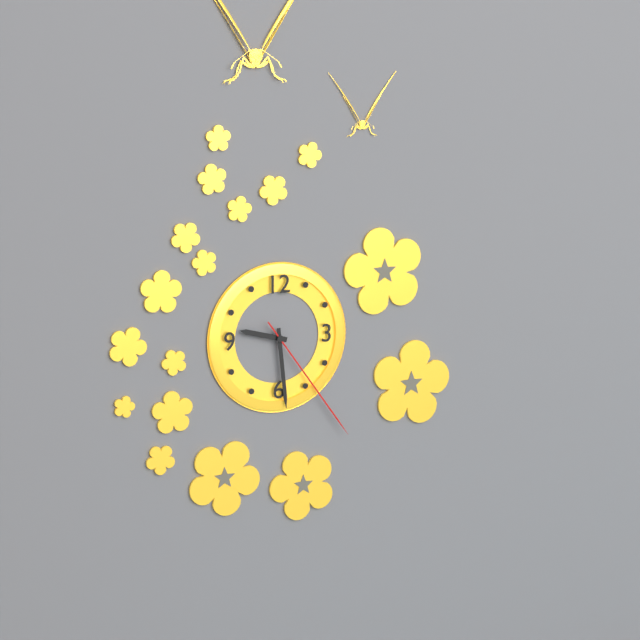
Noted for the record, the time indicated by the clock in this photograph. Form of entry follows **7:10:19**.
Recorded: **9:29:24**
